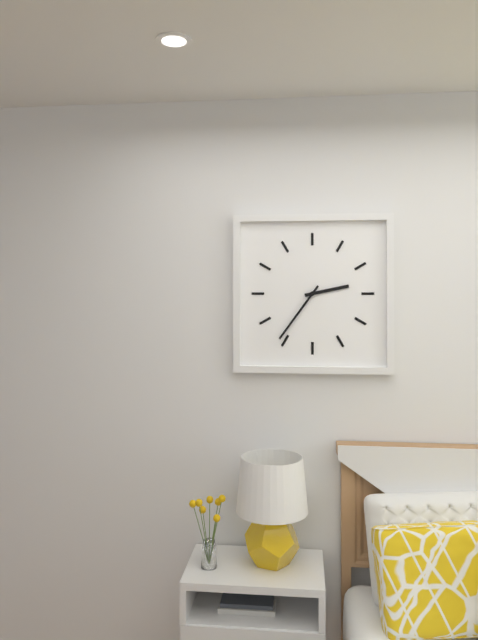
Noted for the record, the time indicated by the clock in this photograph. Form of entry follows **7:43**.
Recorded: **2:36**
